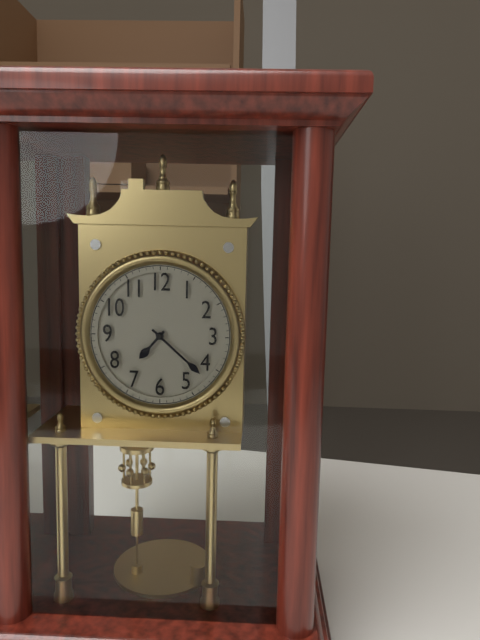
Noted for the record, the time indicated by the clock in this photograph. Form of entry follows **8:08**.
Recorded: **7:22**
